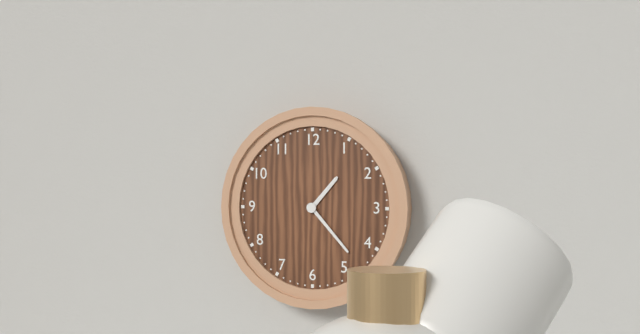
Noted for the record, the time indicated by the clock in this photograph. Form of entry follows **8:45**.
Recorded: **1:23**
